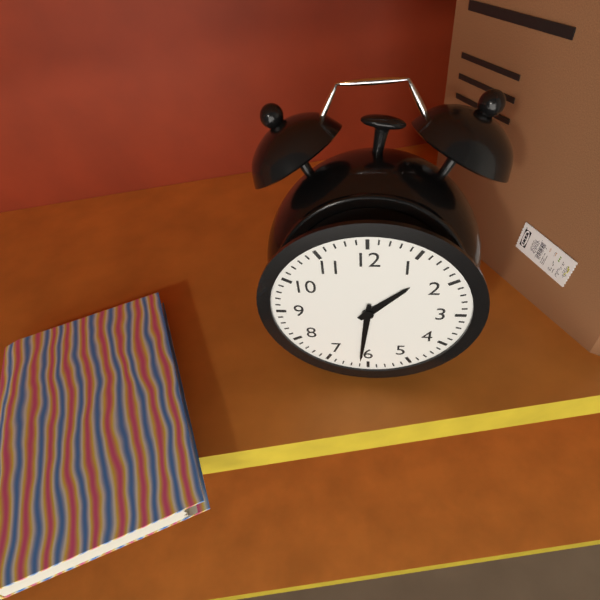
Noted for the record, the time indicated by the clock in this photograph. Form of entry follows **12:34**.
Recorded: **1:31**
